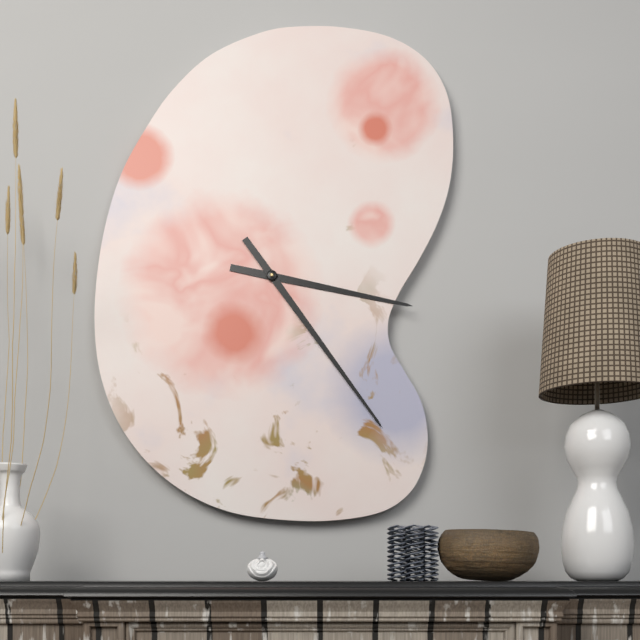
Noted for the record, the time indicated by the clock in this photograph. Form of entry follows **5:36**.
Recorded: **3:24**
